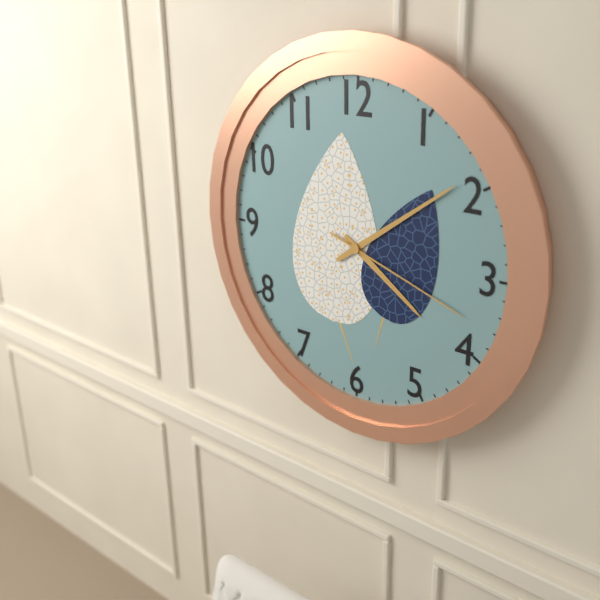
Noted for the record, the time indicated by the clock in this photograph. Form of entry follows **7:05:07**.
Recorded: **4:09:18**
